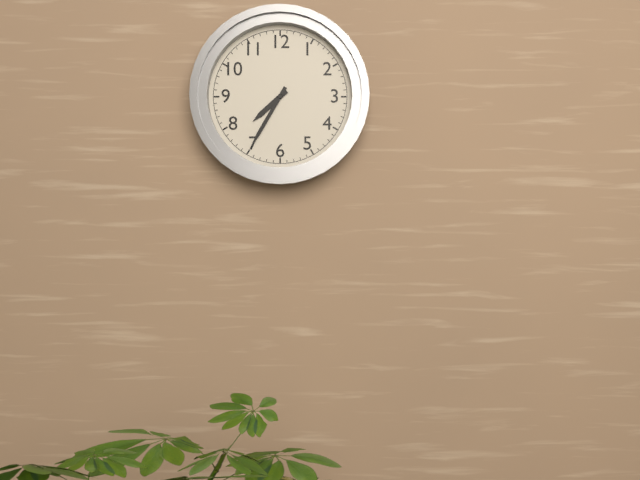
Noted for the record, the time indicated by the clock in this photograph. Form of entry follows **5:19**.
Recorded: **7:35**
